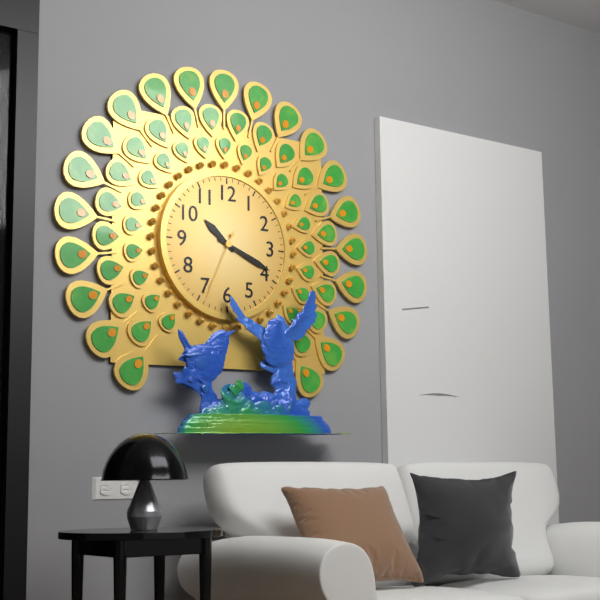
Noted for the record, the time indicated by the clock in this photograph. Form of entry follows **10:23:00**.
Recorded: **10:19:34**
